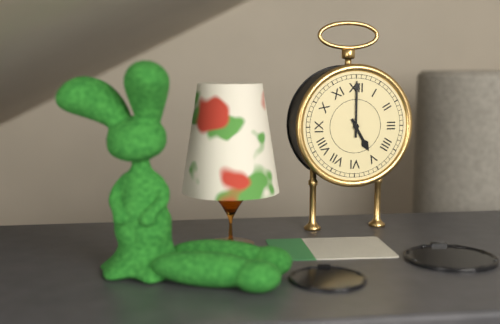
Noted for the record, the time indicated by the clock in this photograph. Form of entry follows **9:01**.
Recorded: **5:00**
